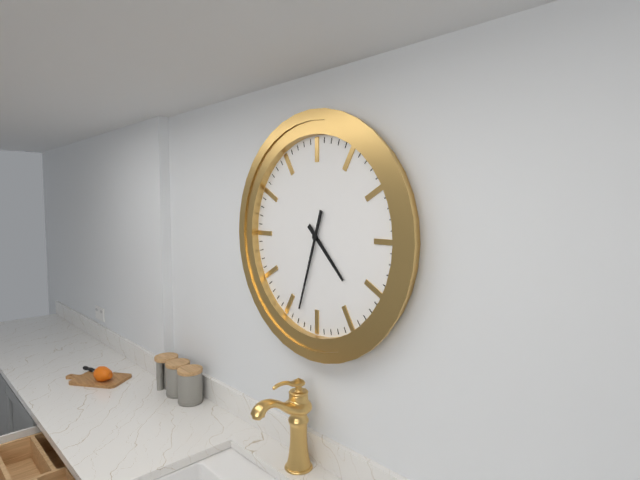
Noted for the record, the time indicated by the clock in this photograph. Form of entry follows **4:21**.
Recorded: **4:33**
